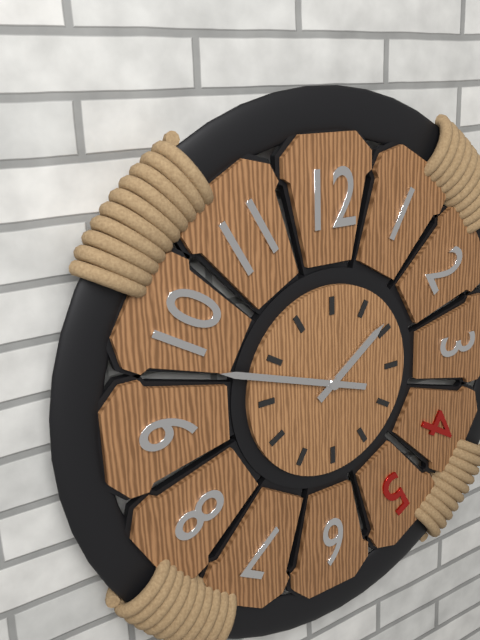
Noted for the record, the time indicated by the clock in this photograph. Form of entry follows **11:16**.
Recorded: **1:48**
